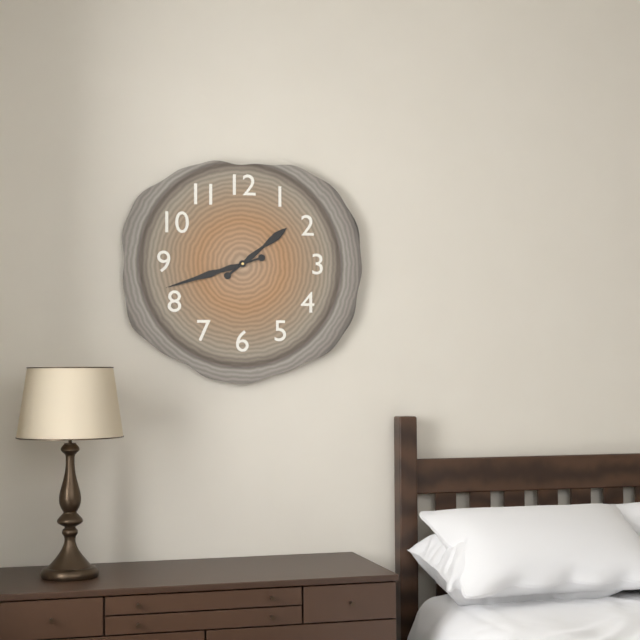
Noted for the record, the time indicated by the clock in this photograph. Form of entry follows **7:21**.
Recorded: **1:42**
